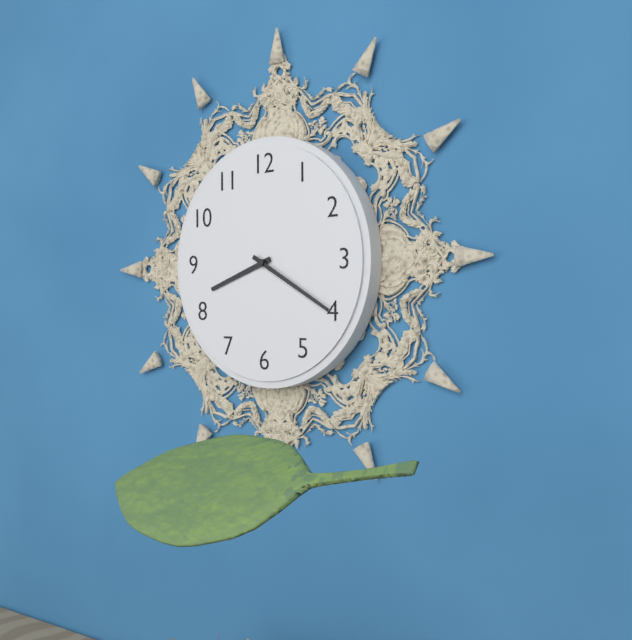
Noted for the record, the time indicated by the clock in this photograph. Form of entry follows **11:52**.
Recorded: **8:20**
